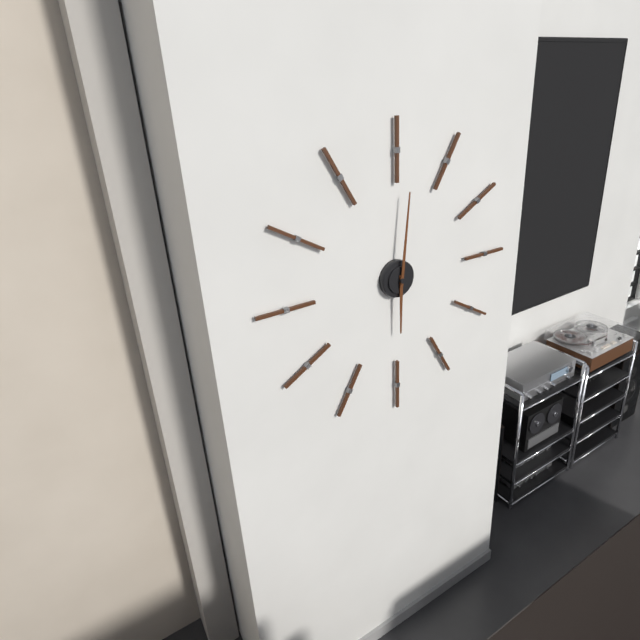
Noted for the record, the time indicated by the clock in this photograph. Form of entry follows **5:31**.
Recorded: **6:01**
